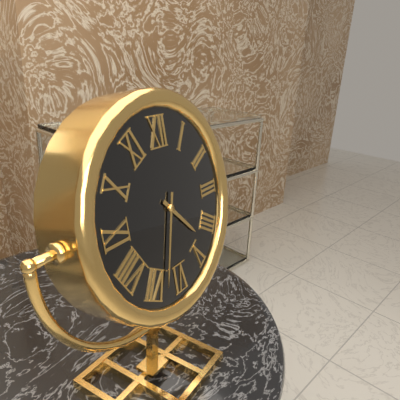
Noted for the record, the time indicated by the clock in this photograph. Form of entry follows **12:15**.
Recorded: **4:33**
